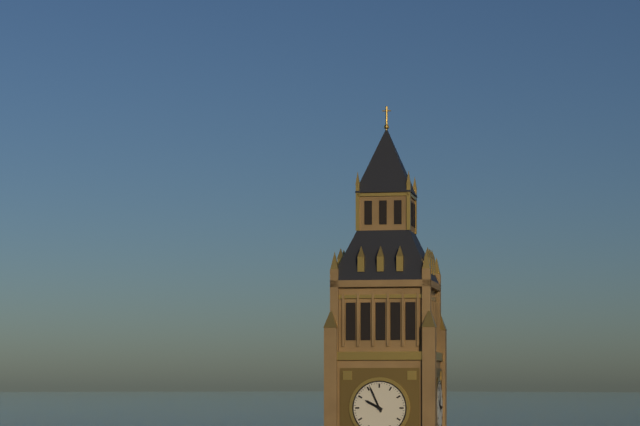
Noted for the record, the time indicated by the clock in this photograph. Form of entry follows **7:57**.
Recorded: **9:56**
